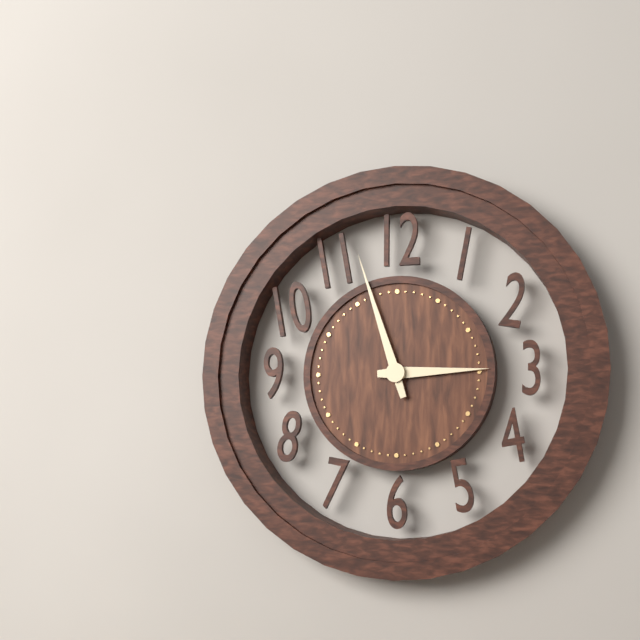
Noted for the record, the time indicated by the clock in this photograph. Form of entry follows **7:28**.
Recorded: **2:57**
